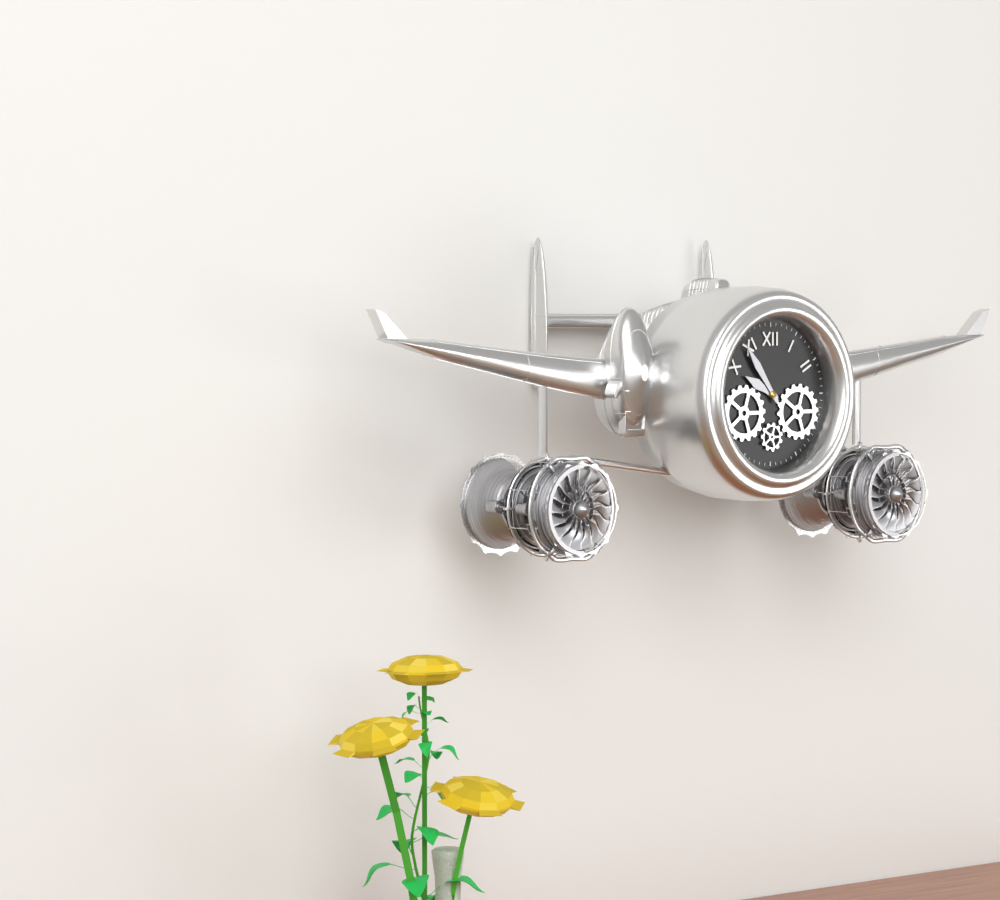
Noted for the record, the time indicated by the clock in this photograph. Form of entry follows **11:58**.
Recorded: **9:54**
